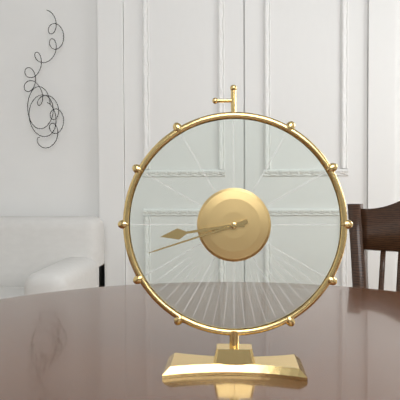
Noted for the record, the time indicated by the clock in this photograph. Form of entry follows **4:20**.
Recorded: **8:42**
